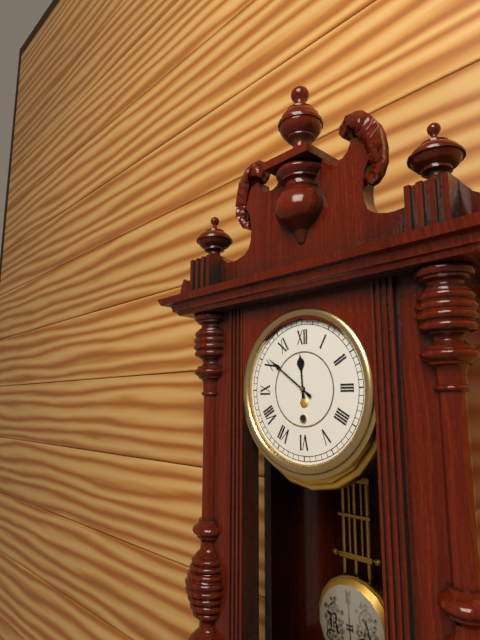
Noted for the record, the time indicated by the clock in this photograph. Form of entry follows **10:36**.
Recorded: **11:51**
